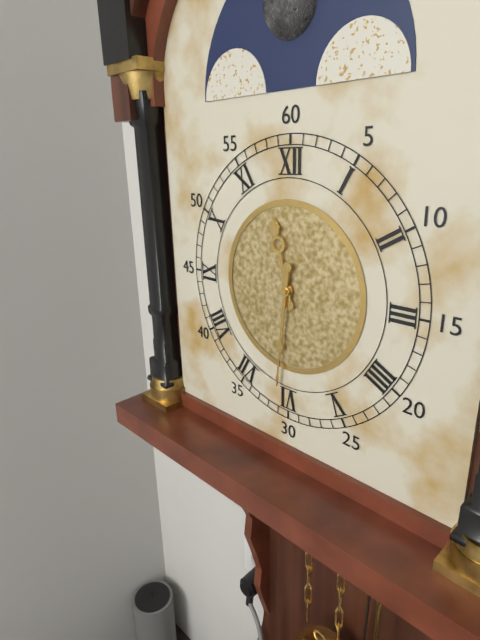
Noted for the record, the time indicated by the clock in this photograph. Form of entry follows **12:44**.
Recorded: **11:31**
